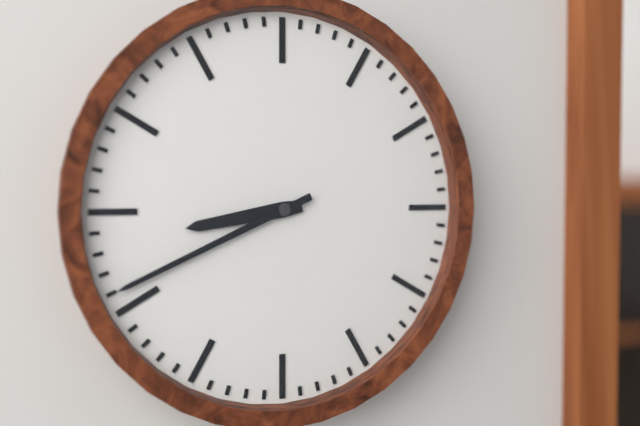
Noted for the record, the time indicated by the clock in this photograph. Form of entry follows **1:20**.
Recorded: **8:41**
